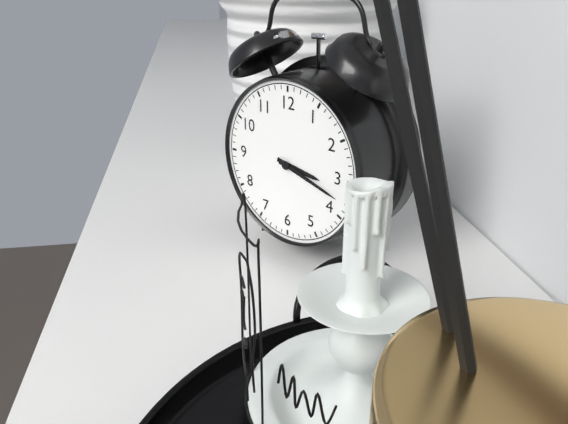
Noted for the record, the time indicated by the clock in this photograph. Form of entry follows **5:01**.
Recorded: **3:18**
